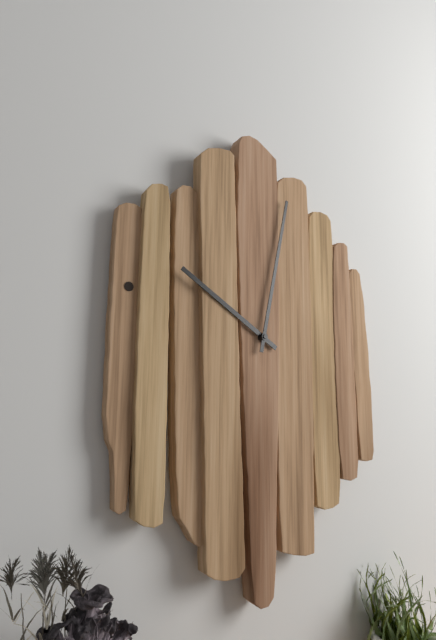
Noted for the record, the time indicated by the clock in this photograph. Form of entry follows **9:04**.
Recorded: **10:02**
